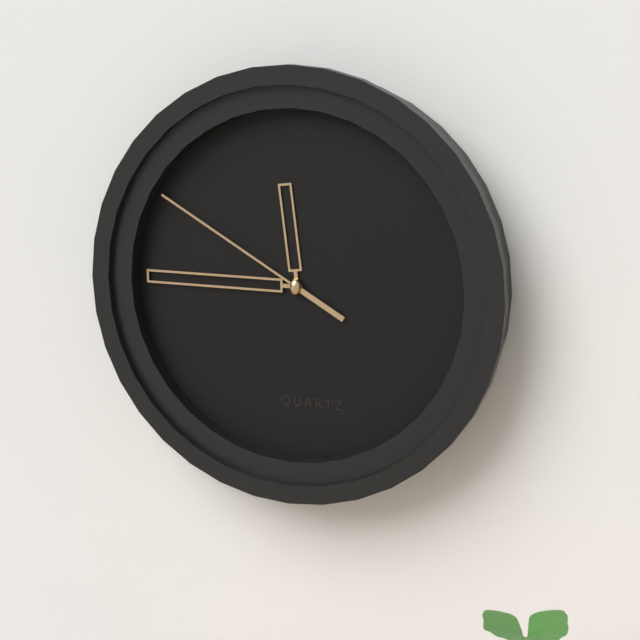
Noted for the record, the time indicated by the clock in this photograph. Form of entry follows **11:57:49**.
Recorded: **11:45:50**
